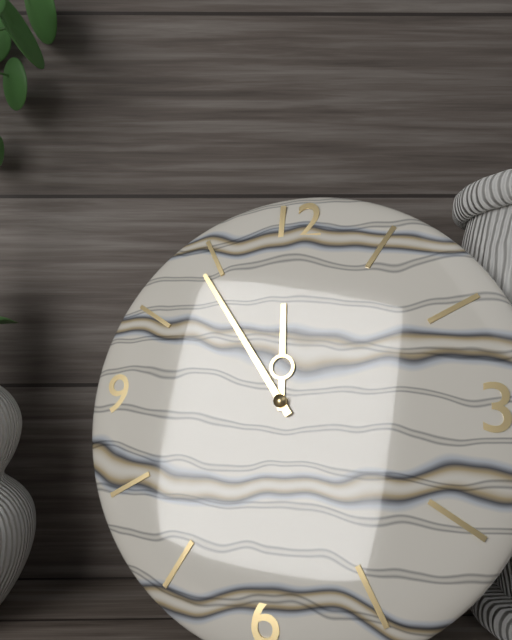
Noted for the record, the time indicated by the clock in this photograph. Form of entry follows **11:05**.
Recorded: **11:54**
